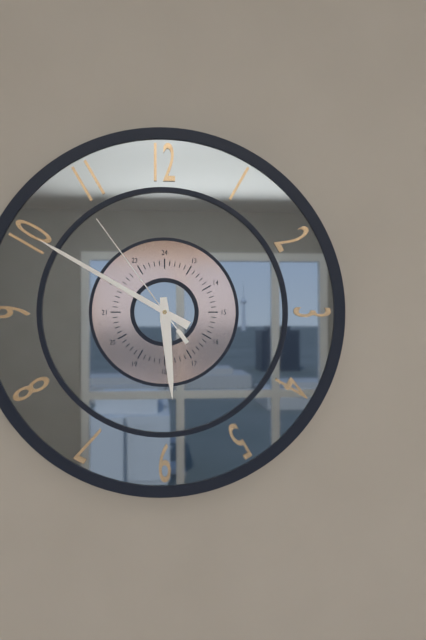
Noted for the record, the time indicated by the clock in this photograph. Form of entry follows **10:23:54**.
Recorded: **5:50:54**
